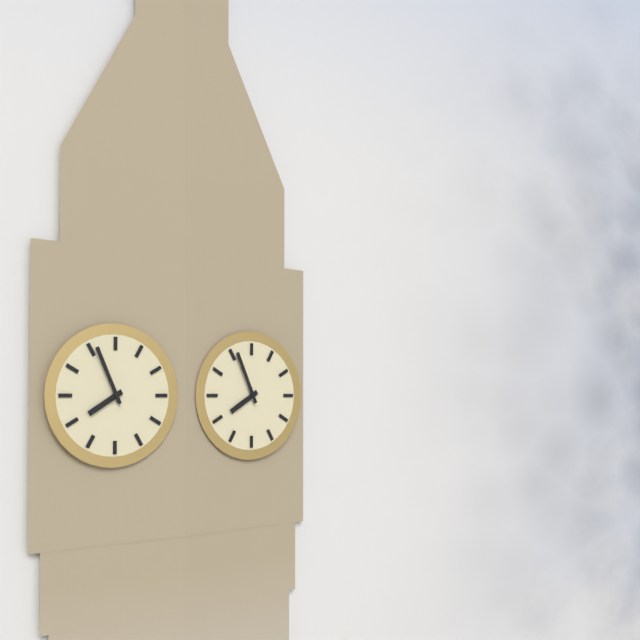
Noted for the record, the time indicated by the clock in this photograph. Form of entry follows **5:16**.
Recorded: **7:56**
